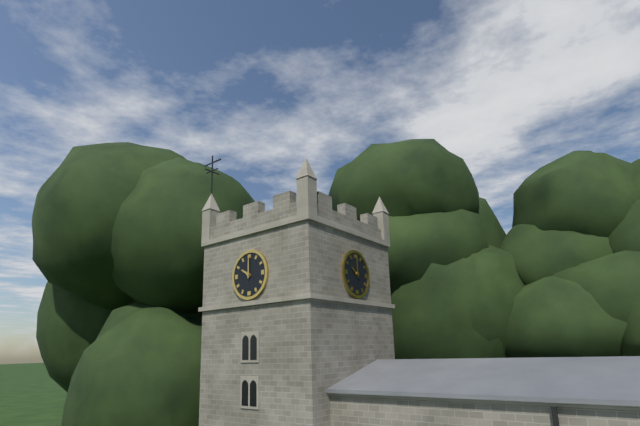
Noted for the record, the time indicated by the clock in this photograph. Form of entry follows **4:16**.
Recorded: **10:00**
